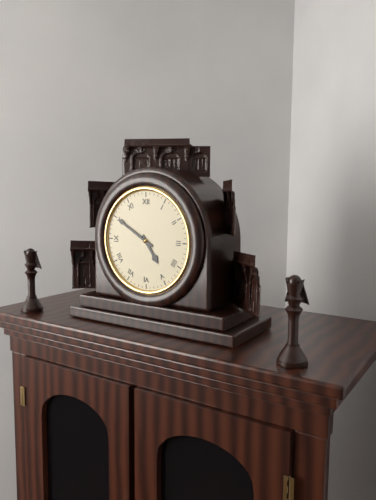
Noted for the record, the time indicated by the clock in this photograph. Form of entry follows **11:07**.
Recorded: **4:50**
